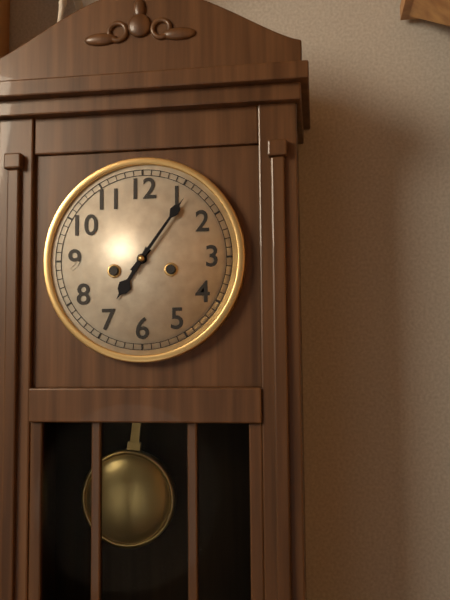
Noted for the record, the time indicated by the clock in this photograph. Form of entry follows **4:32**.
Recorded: **7:06**
